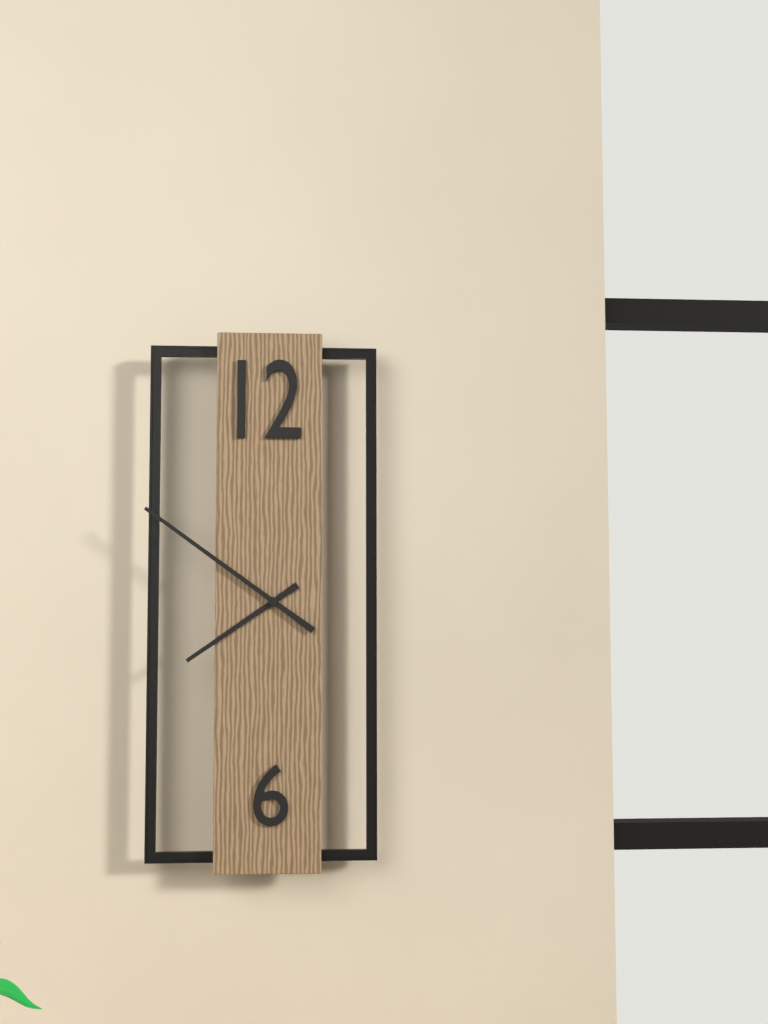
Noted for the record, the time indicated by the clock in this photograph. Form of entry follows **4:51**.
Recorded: **7:51**
